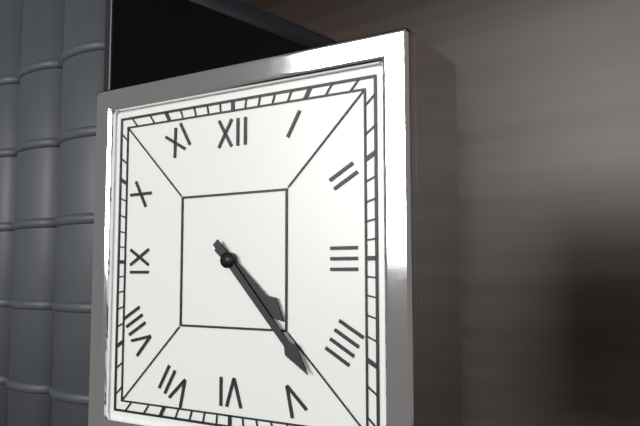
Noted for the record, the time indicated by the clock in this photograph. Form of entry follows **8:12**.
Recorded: **4:23**
